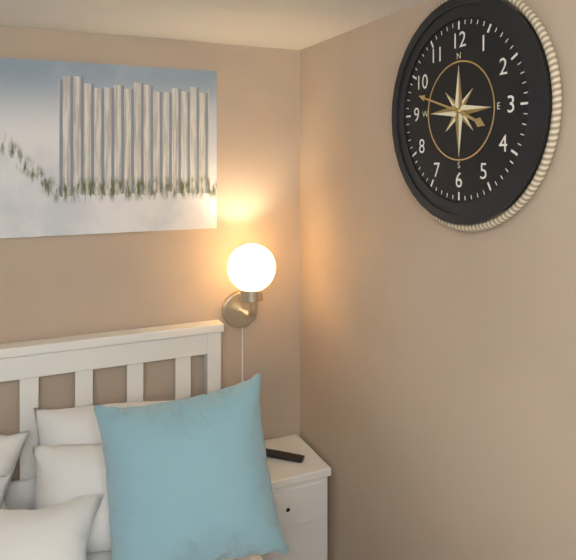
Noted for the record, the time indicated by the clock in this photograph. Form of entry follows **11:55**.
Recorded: **3:48**
